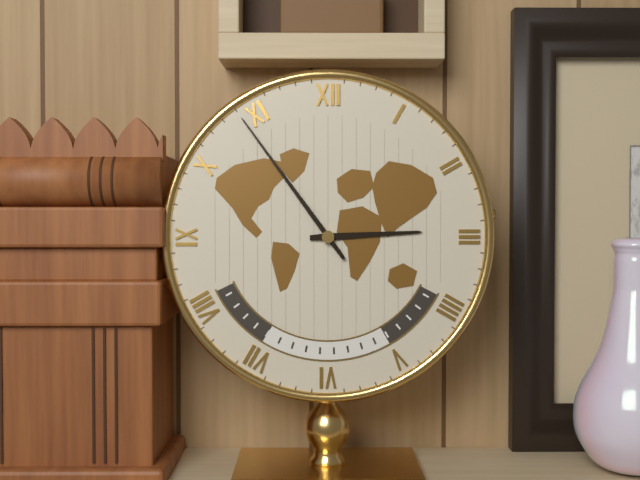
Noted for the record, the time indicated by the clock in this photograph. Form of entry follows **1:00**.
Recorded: **2:54**
